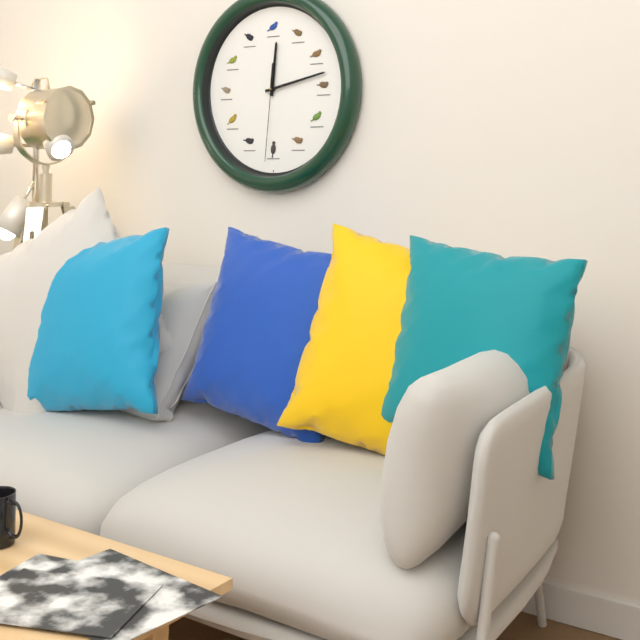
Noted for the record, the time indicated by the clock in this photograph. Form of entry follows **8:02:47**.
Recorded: **12:13:31**
